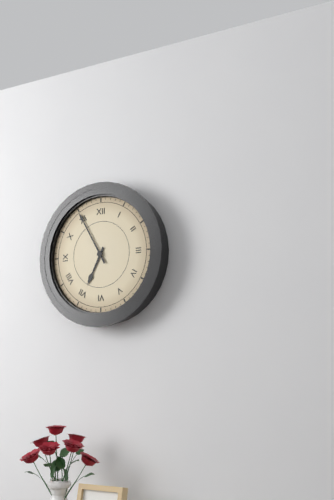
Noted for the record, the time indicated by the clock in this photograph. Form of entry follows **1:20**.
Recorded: **6:55**
